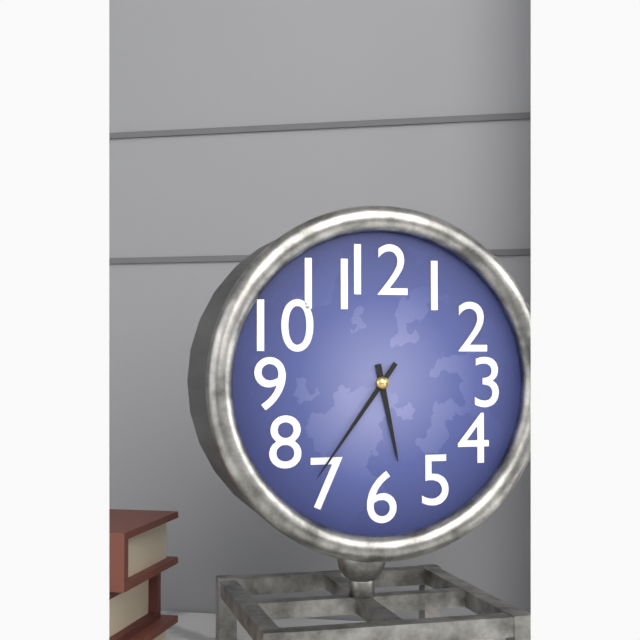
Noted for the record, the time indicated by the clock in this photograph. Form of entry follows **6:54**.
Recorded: **5:36**
